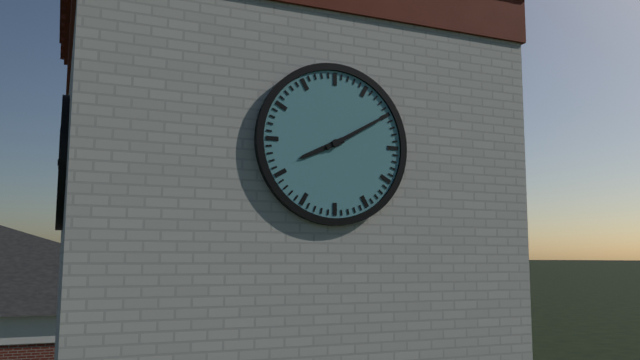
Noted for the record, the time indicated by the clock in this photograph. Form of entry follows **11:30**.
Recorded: **8:10**
